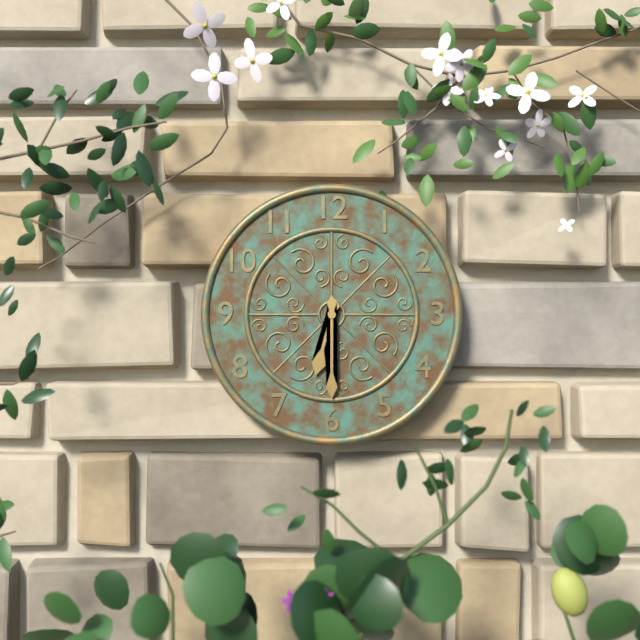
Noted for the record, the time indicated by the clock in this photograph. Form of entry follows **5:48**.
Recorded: **6:30**
